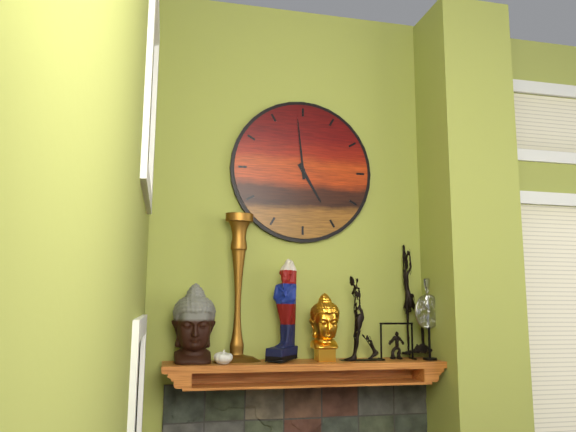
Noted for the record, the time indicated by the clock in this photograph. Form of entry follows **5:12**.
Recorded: **4:59**
